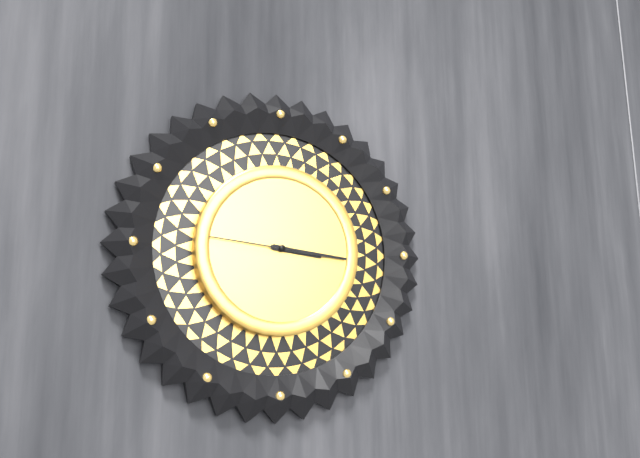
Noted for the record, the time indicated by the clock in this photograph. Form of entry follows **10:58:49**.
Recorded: **3:16:46**
